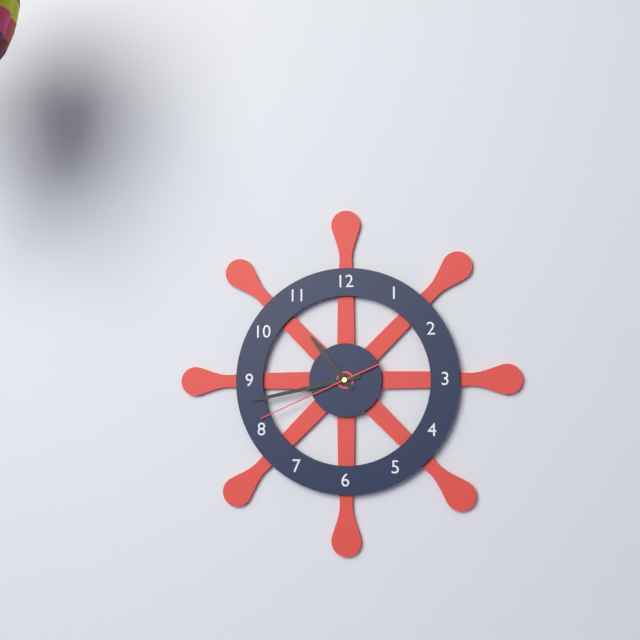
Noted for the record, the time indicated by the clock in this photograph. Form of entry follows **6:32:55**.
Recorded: **10:43:41**
